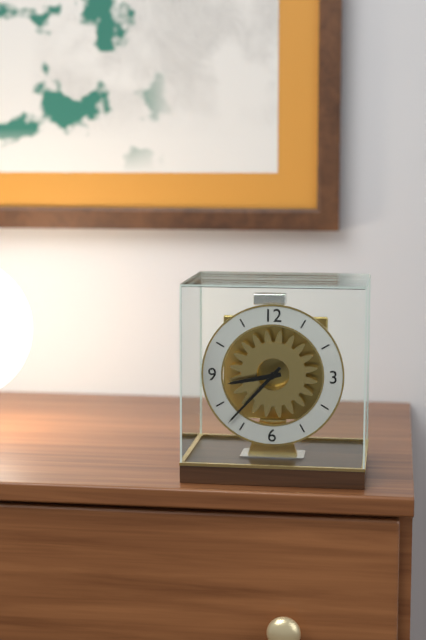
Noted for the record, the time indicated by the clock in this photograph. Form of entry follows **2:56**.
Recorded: **8:37**
